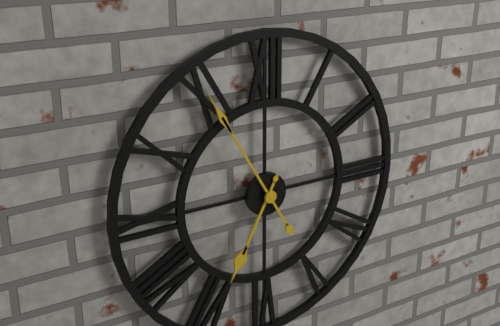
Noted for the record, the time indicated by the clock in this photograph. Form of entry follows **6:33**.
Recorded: **6:55**
